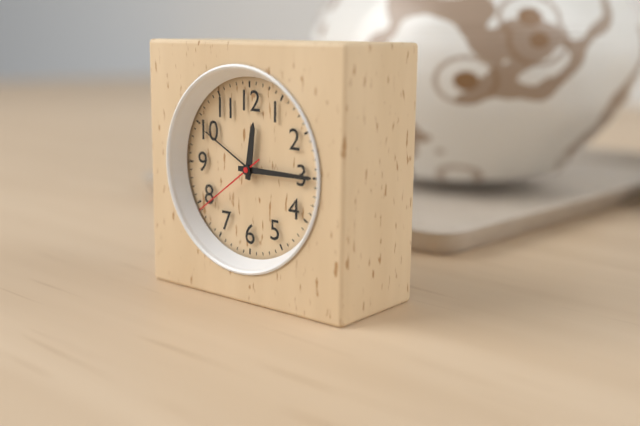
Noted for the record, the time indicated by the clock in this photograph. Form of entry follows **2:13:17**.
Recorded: **12:15:39**
